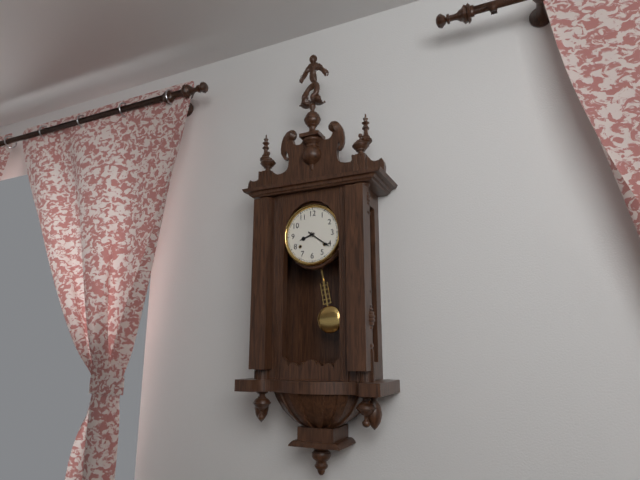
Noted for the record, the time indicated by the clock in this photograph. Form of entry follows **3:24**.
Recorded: **8:21**
